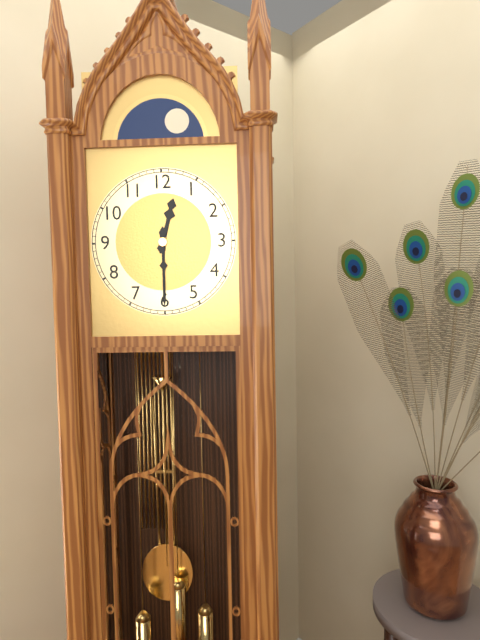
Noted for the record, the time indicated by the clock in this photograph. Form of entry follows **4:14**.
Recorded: **12:30**
